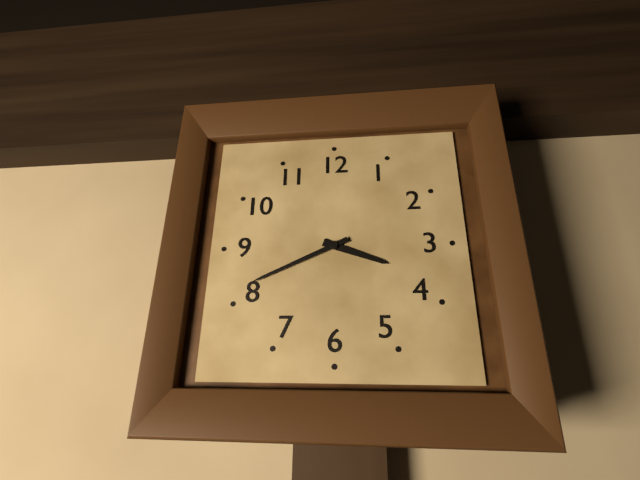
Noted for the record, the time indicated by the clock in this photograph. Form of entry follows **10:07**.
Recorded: **3:41**
